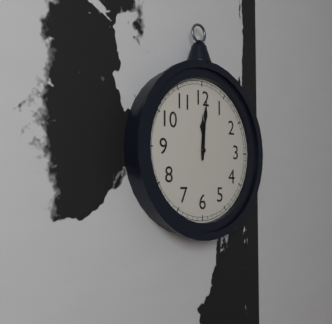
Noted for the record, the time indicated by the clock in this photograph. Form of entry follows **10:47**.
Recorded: **12:01**
